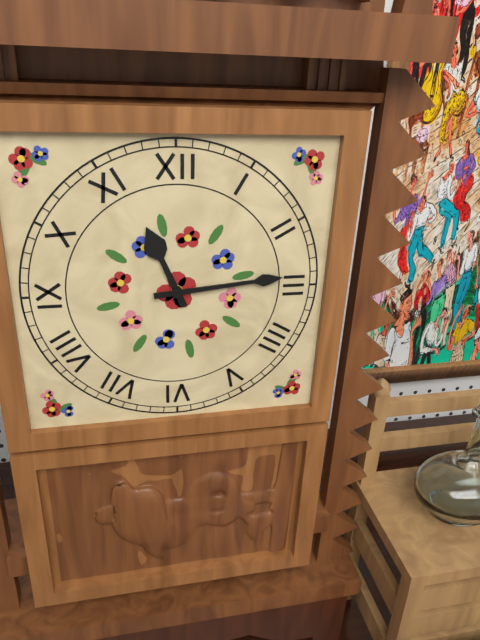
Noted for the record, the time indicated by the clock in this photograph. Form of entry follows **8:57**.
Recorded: **11:14**
